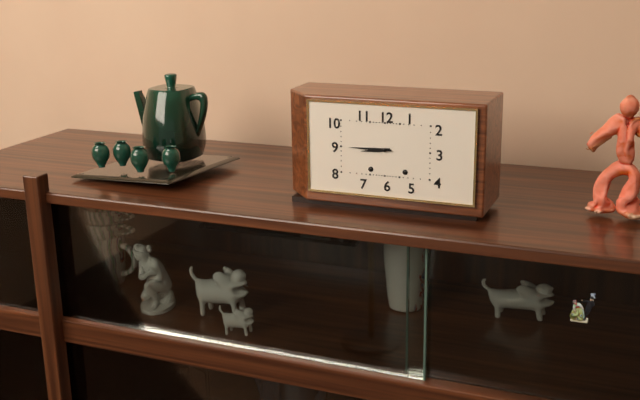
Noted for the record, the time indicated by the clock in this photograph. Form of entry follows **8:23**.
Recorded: **8:45**
